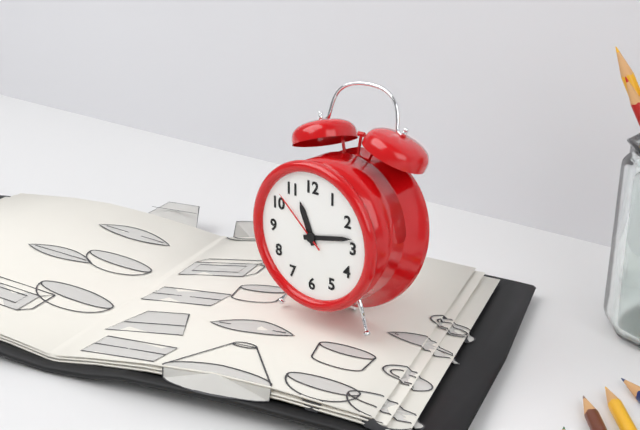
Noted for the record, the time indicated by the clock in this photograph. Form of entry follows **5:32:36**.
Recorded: **11:13:52**
